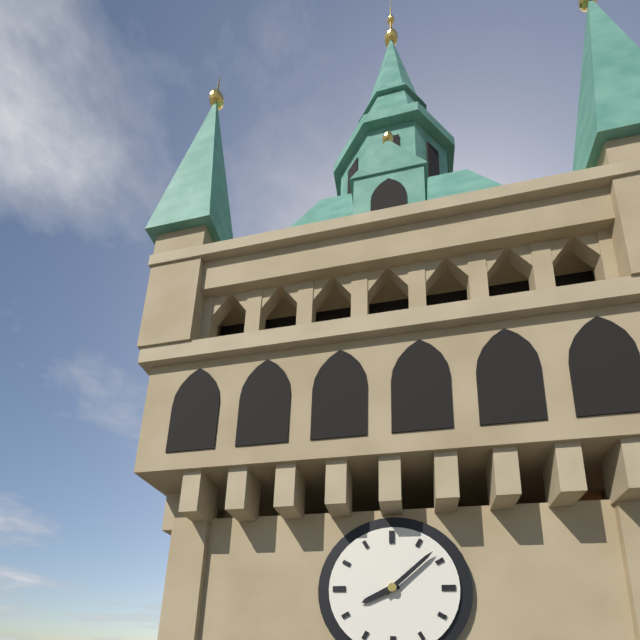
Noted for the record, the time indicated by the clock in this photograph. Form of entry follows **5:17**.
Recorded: **8:08**
